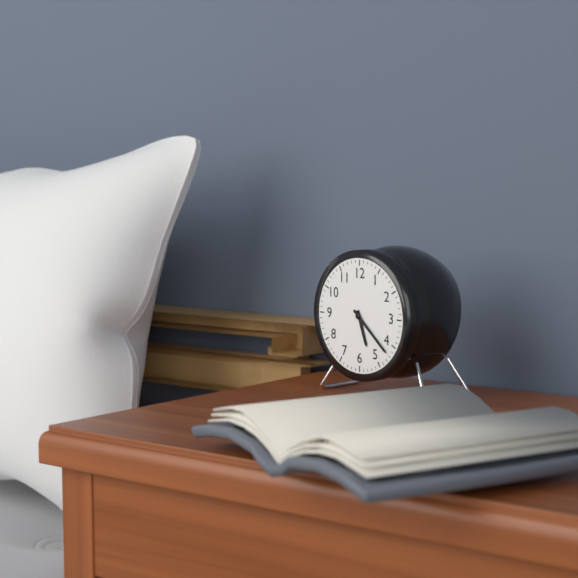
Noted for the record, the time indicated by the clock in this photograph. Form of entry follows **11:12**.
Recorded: **5:22**
